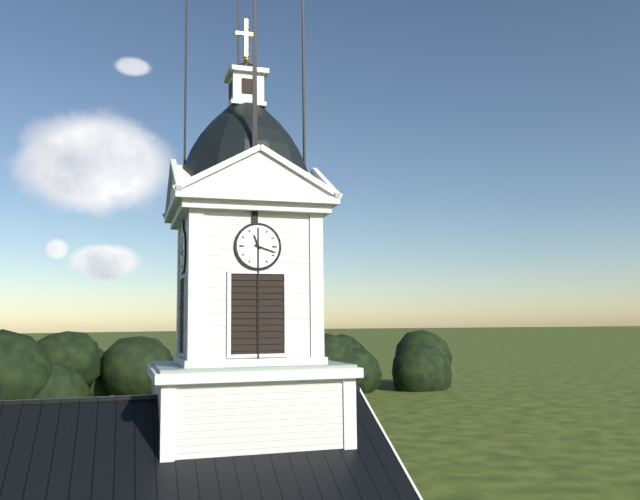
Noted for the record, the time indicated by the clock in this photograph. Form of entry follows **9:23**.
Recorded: **11:18**
